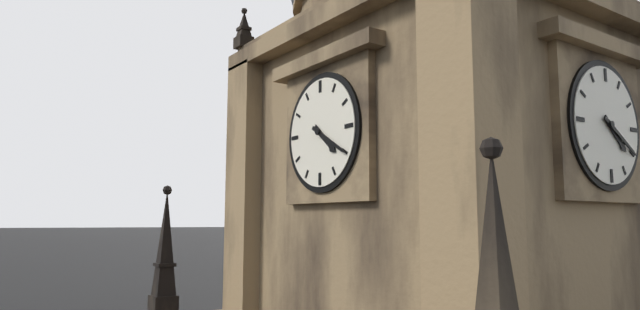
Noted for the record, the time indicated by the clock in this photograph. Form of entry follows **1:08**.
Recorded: **4:20**
